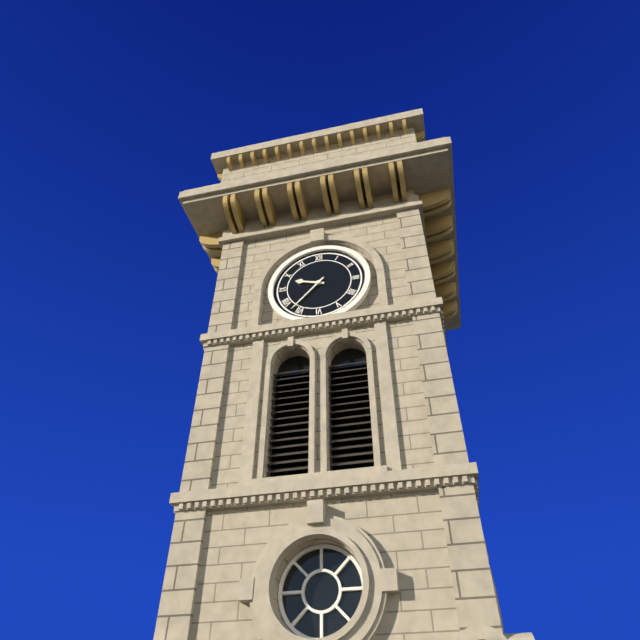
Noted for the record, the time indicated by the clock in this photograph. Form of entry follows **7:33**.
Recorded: **9:37**
